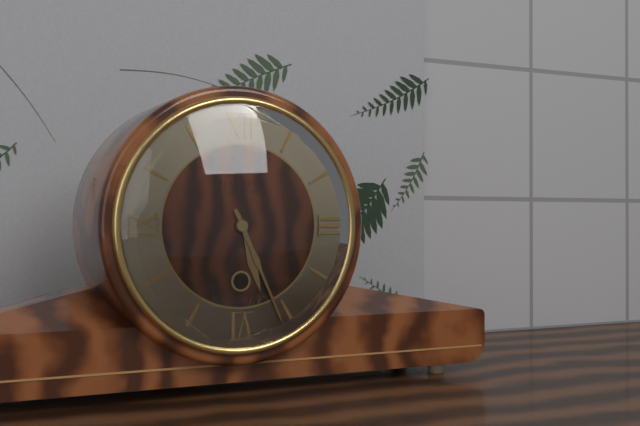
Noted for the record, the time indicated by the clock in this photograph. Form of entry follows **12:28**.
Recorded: **5:26**
